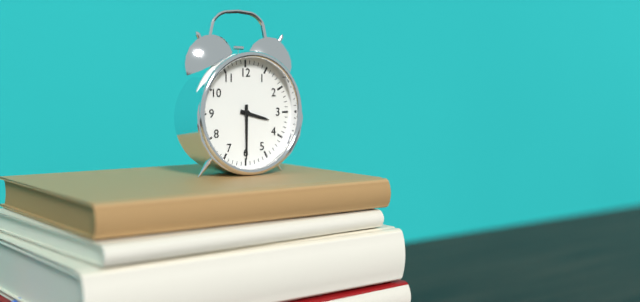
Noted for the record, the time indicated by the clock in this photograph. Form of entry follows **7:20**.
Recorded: **3:30**
